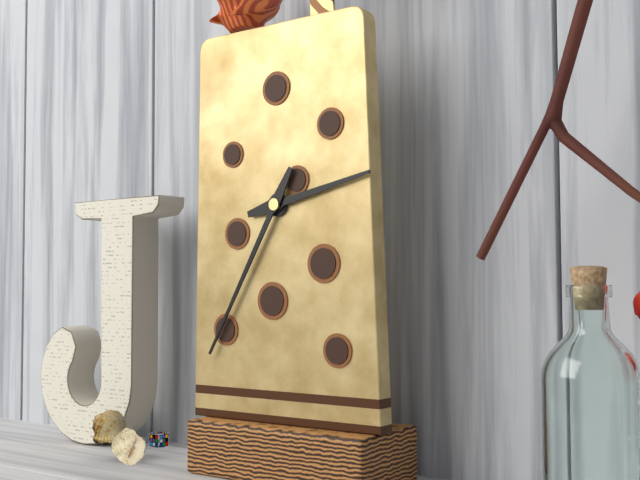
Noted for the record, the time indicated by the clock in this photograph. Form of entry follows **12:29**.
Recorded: **2:35**
